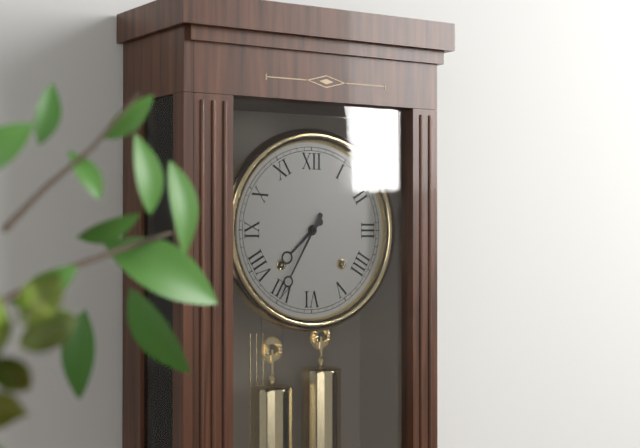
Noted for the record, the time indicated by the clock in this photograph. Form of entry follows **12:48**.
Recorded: **7:35**
